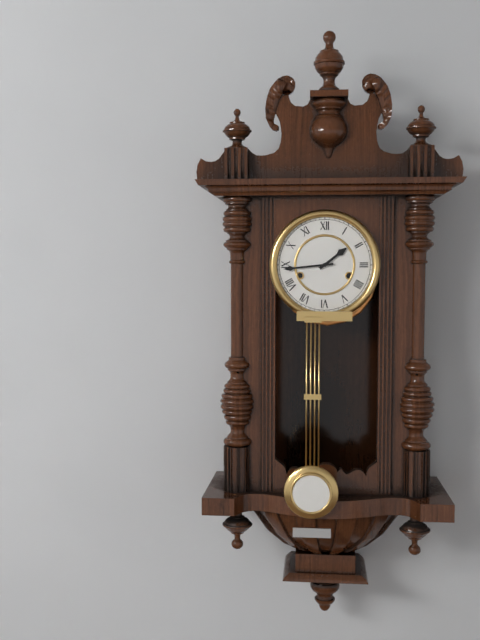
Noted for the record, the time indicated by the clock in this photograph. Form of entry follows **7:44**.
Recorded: **1:44**
